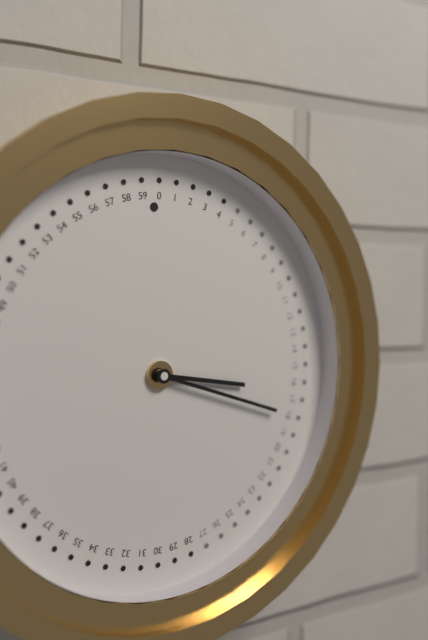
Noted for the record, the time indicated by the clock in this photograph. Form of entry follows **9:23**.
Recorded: **3:18**
